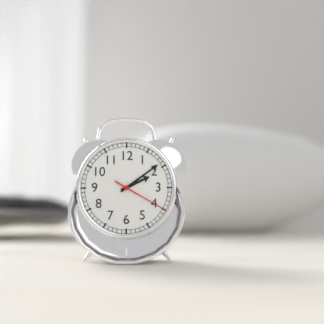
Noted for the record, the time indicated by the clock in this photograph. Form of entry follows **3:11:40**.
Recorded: **2:09:20**
